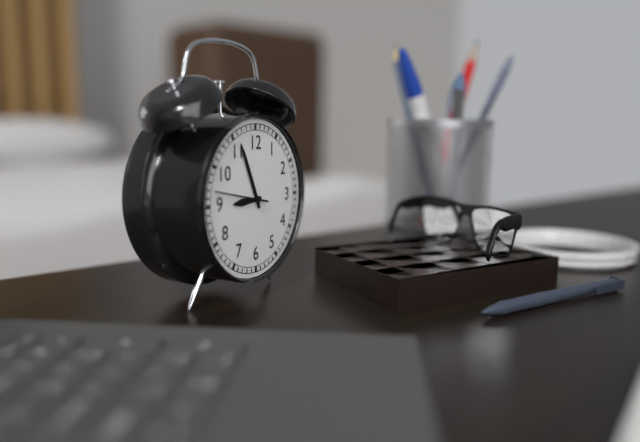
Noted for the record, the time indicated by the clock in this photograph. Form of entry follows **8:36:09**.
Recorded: **8:56:47**
